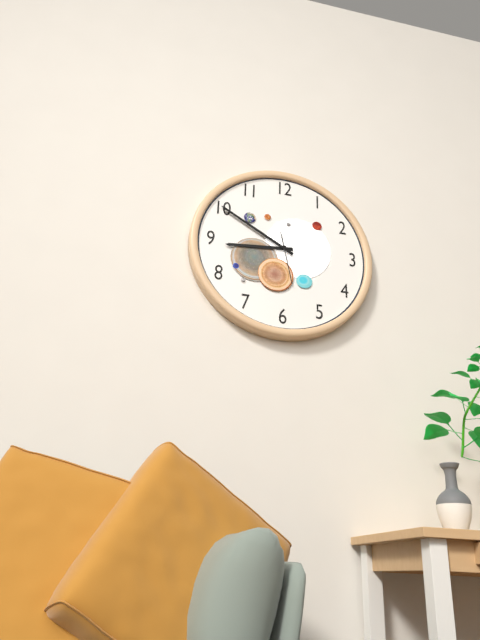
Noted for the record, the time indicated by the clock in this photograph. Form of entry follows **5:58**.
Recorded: **8:50**
